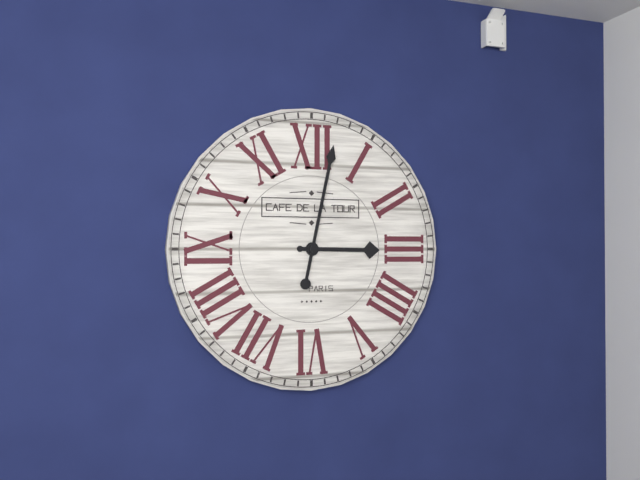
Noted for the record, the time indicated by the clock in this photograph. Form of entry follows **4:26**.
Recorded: **3:02**
